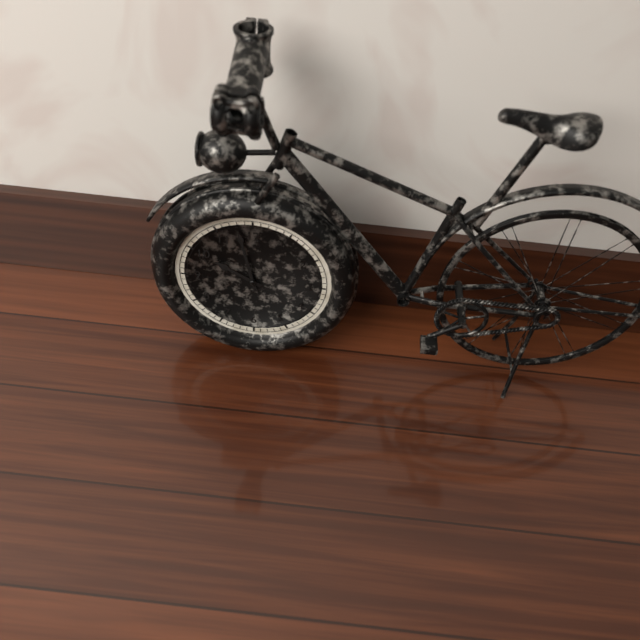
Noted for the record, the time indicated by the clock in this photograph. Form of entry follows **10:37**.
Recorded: **9:58**
